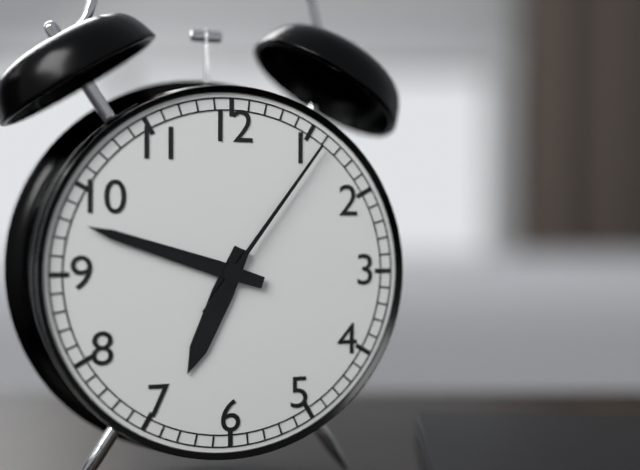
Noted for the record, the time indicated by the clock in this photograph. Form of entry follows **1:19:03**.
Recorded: **6:48:06**
